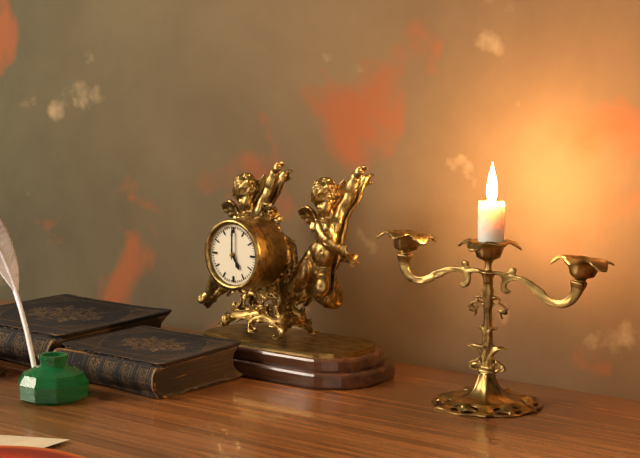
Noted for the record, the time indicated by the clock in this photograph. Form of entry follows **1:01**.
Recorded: **5:00**
